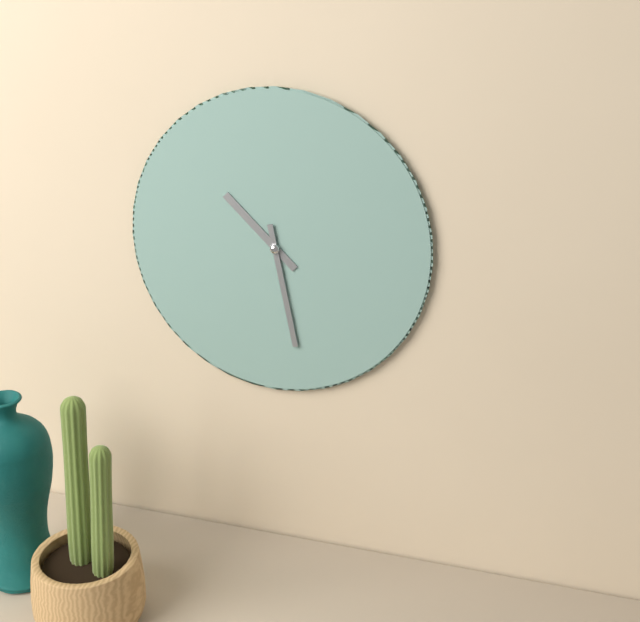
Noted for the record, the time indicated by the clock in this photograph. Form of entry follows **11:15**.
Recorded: **10:28**
